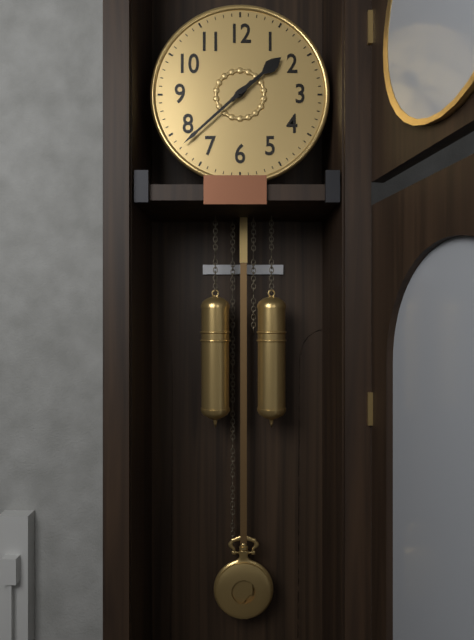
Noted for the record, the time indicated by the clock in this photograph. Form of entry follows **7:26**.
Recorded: **1:38**
